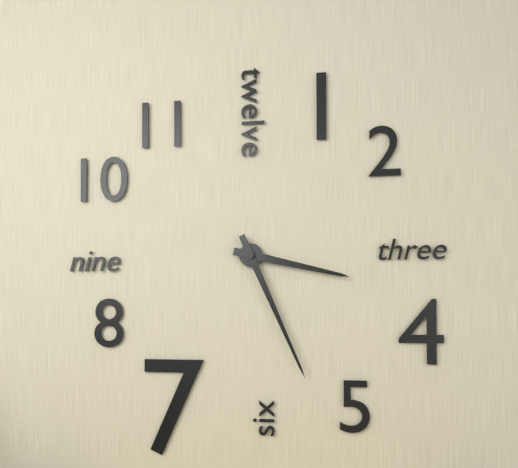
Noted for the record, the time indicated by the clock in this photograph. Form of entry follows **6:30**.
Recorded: **3:26**
